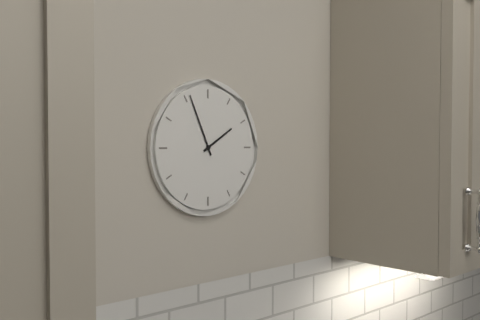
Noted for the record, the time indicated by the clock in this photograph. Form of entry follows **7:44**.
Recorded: **1:56**
